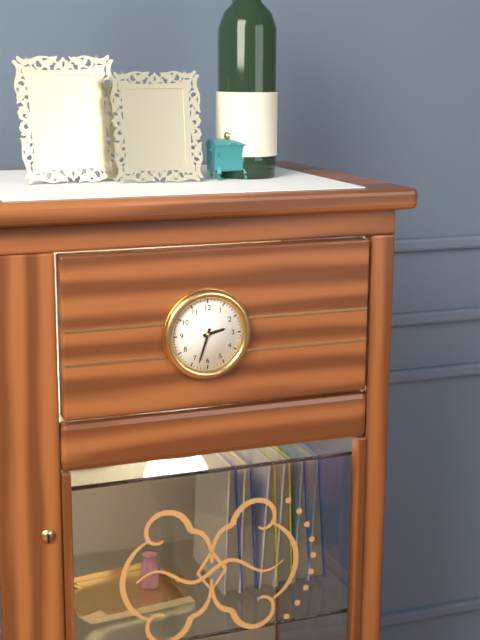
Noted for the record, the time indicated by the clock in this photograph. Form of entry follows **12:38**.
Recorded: **2:33**
